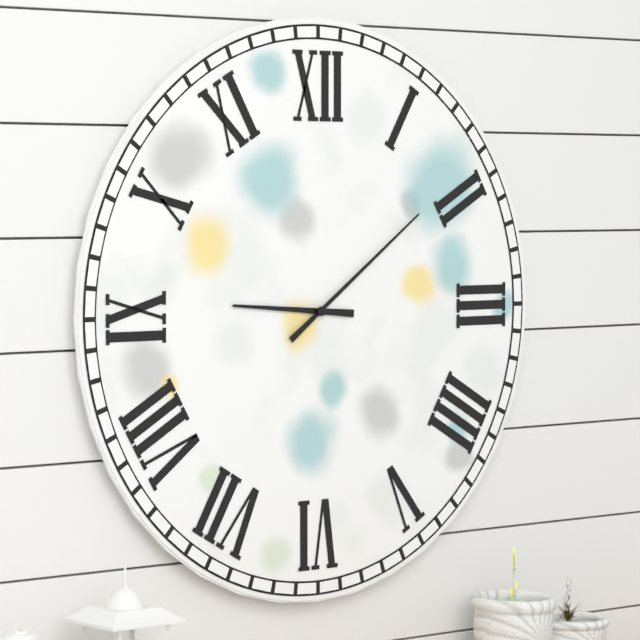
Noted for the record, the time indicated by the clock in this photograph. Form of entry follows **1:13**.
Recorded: **9:09**
